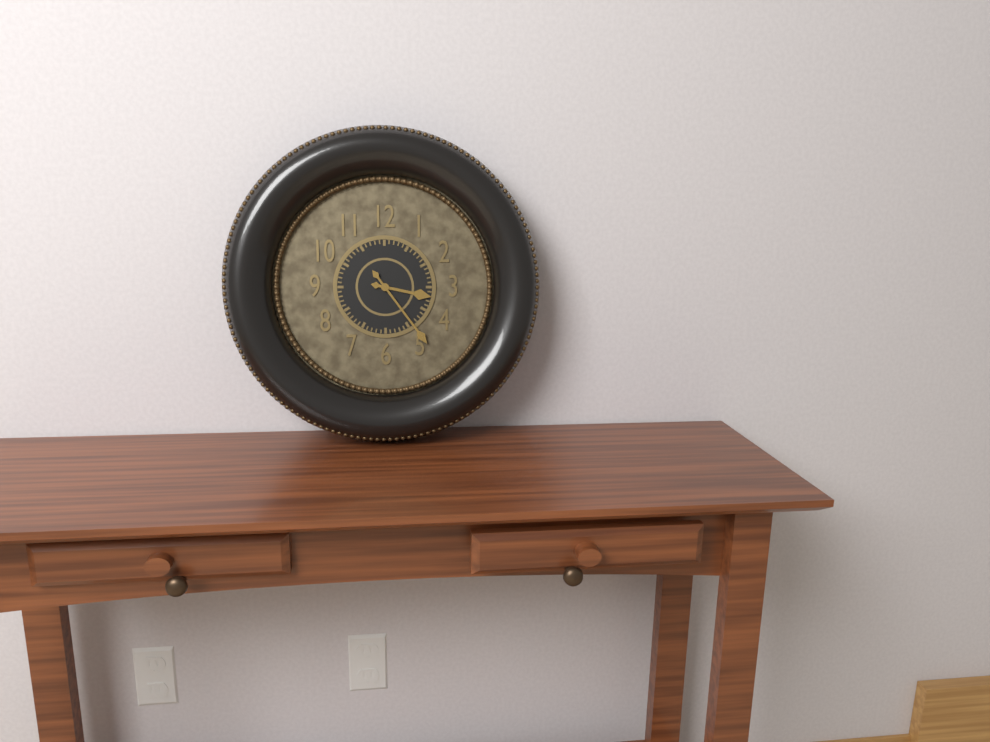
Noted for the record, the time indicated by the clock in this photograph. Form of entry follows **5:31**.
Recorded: **3:24**
